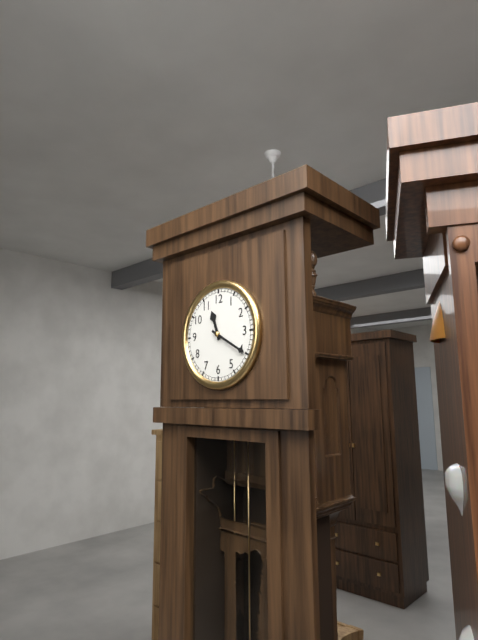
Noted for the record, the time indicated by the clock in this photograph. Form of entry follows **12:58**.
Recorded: **11:20**
